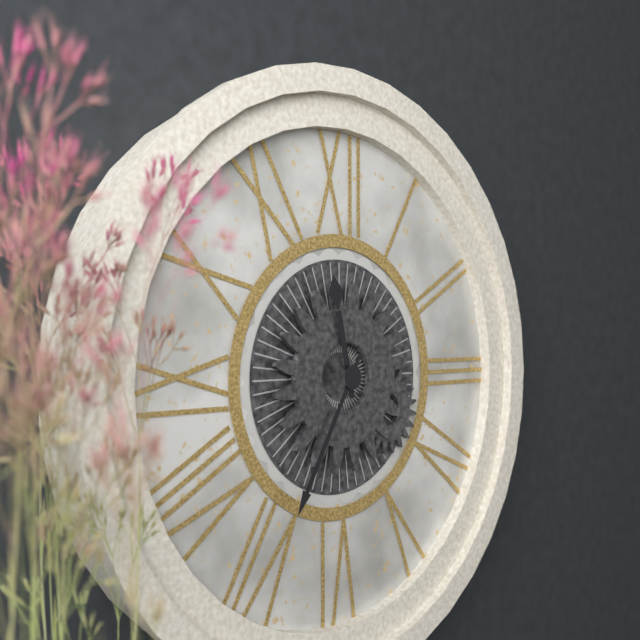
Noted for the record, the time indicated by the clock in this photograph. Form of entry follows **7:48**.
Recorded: **11:35**
